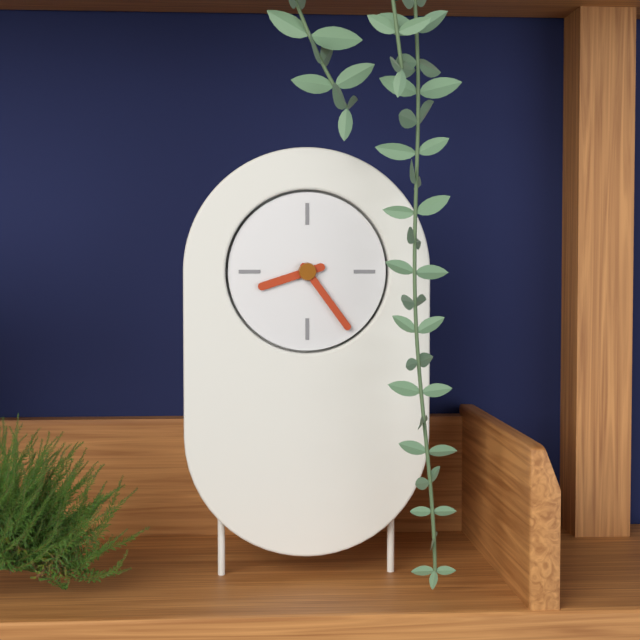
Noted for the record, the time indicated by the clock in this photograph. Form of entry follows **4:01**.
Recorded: **8:24**
